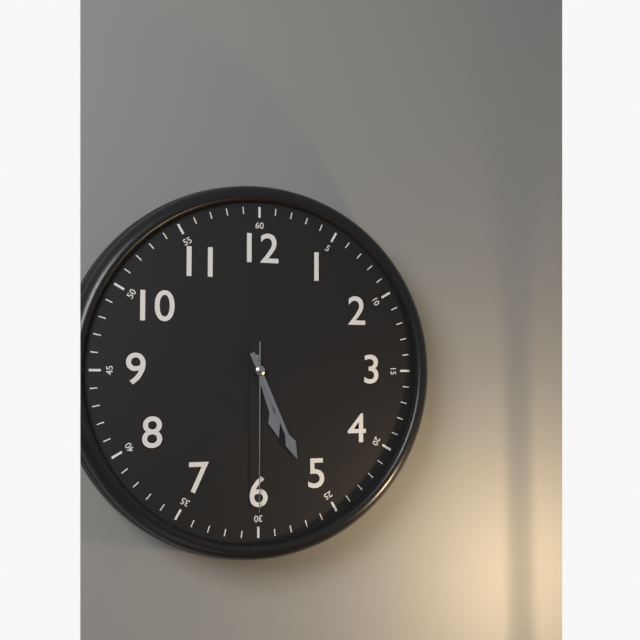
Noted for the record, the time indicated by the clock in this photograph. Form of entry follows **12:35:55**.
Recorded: **5:26:30**
